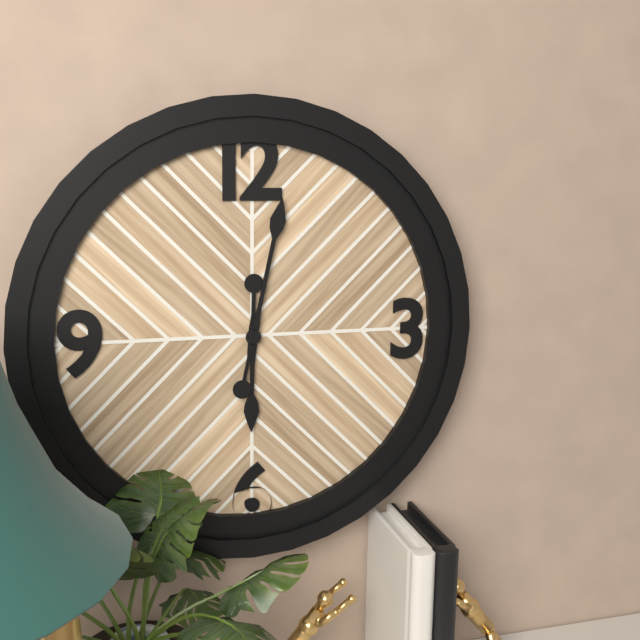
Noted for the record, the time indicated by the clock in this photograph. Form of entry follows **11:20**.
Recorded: **6:02**
